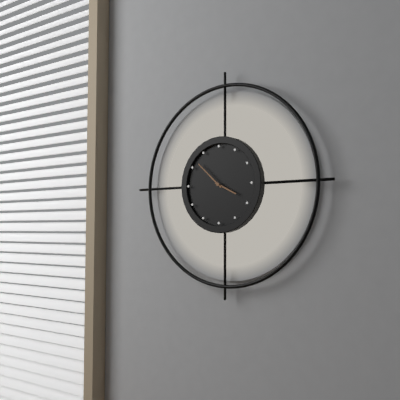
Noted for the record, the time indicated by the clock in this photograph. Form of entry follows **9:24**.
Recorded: **3:52**
